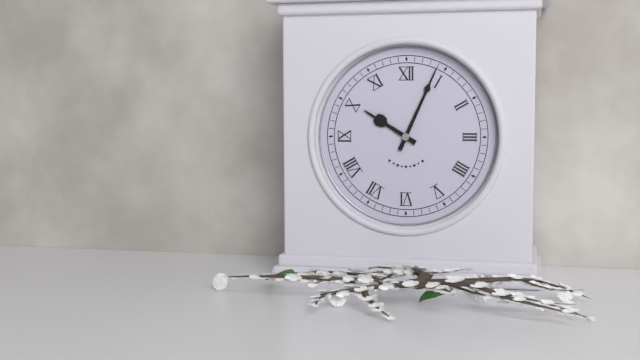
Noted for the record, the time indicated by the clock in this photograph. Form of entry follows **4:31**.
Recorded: **10:04**
